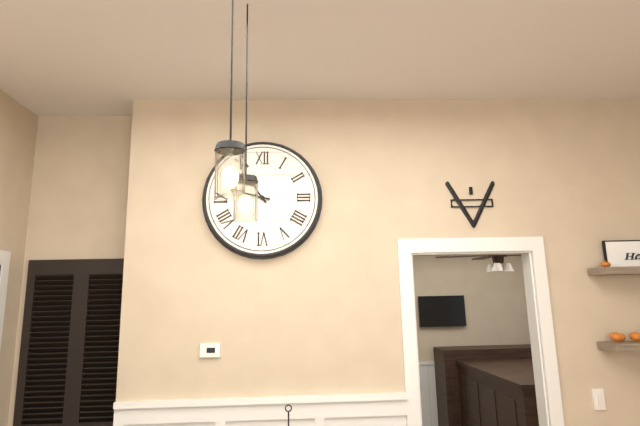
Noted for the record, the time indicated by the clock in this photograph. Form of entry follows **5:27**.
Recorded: **10:47**
